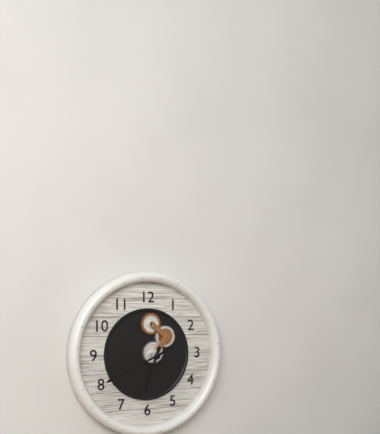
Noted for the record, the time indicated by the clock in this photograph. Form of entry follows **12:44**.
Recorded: **6:41**
